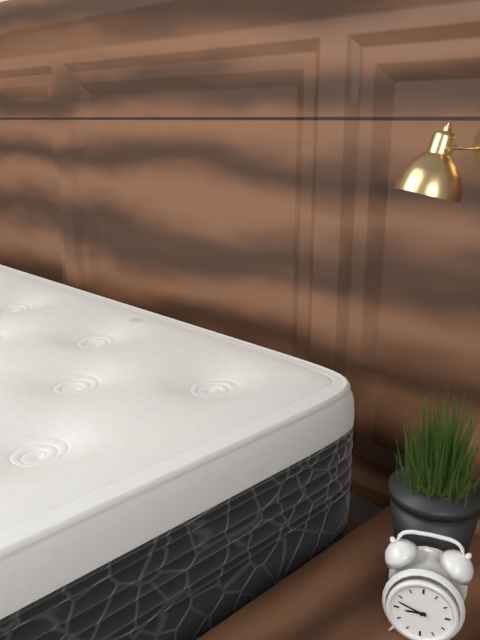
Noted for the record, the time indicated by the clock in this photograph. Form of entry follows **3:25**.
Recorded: **8:48**
